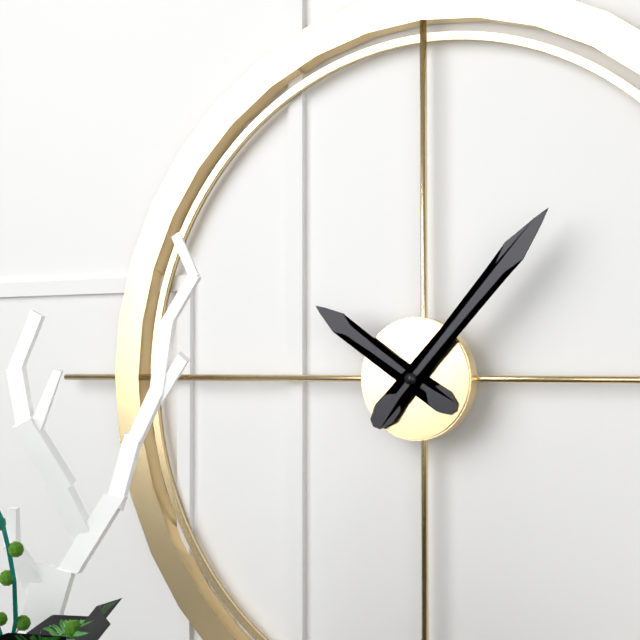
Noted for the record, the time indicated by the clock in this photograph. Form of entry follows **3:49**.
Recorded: **10:07**
